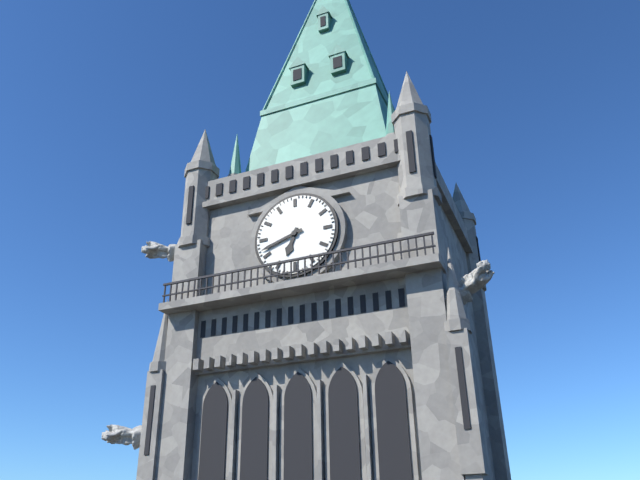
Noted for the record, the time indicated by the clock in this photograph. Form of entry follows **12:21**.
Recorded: **6:42**
